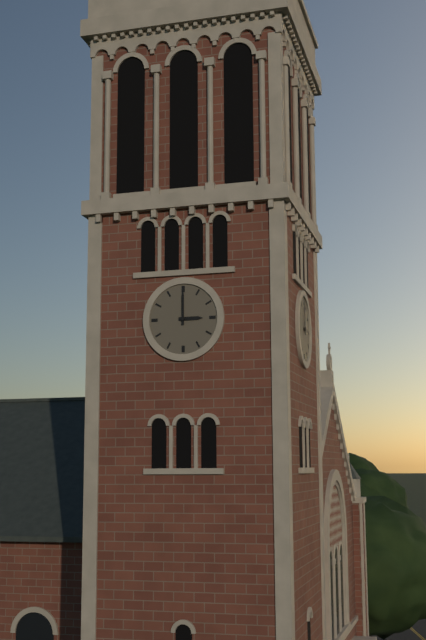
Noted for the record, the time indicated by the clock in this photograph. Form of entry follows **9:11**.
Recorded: **3:00**
